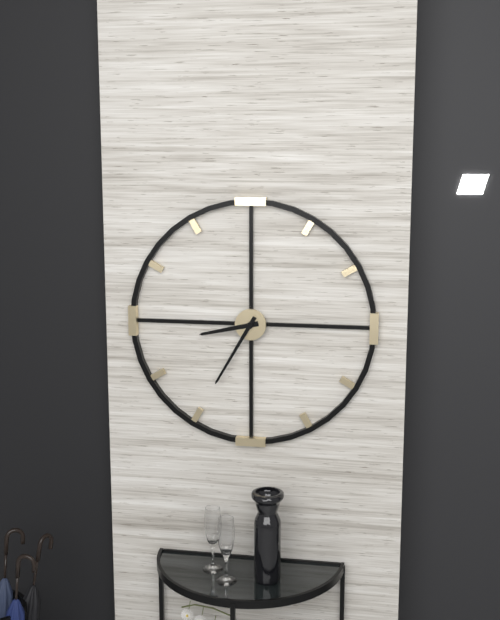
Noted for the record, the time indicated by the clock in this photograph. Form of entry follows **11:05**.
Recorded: **8:35**
